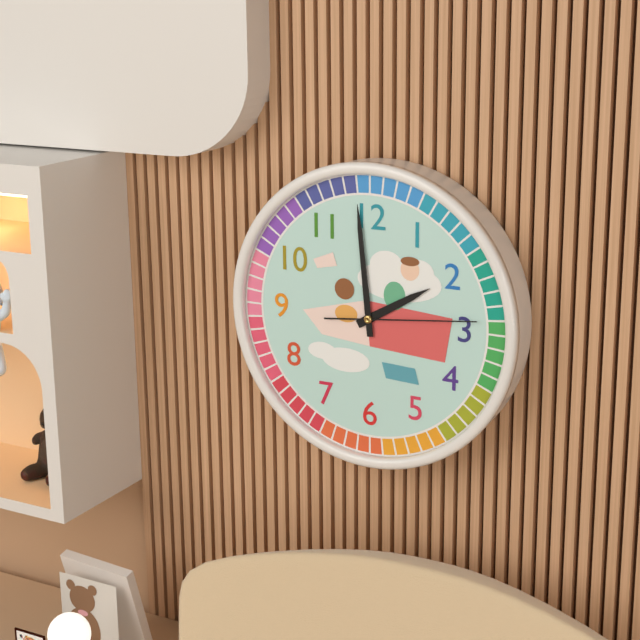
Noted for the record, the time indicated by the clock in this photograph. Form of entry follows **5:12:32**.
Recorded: **1:59:14**
